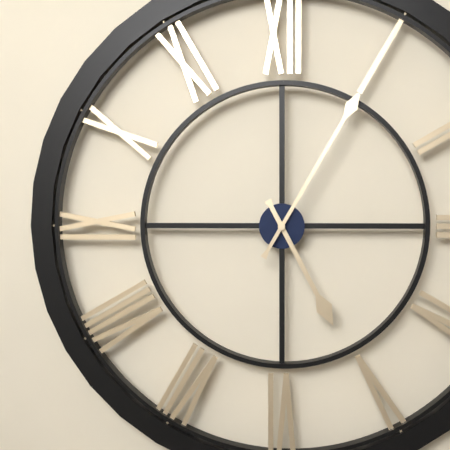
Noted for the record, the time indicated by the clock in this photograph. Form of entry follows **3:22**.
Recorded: **5:05**
